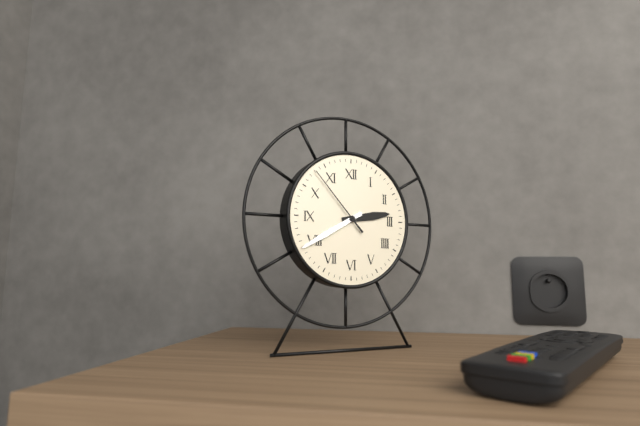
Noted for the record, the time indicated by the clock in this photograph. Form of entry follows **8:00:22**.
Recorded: **2:40:53**
